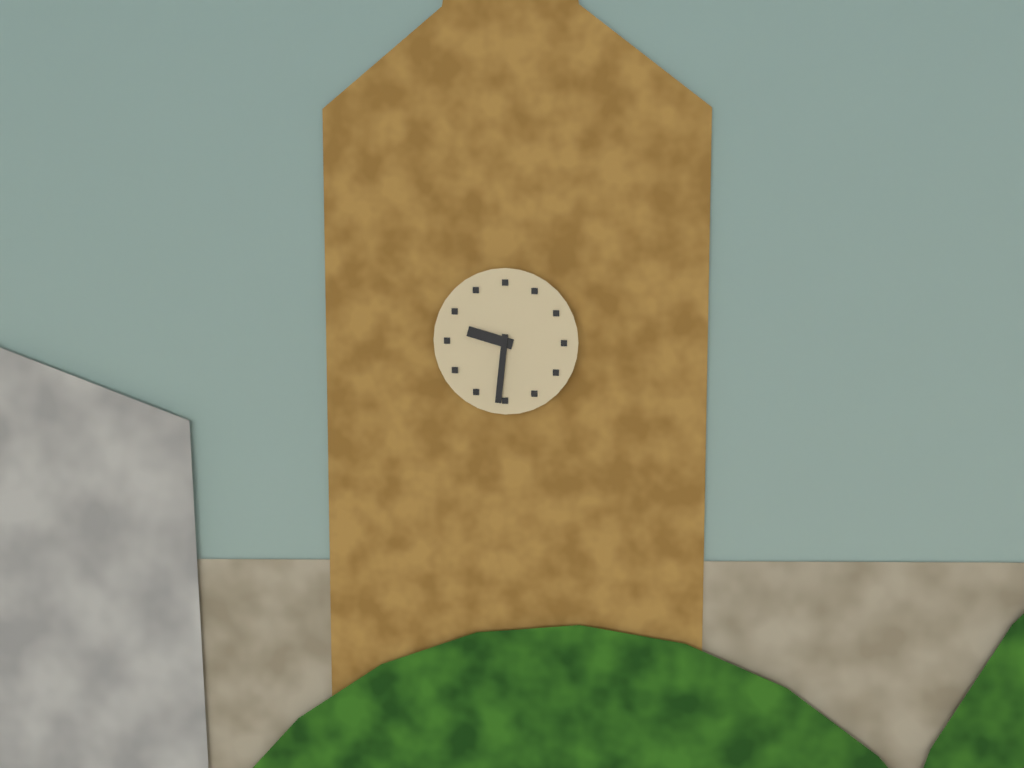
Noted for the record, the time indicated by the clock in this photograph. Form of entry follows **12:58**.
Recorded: **9:31**
